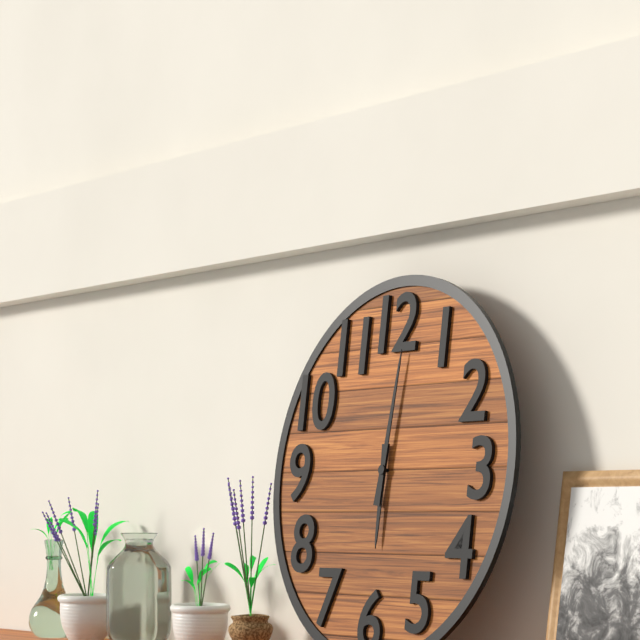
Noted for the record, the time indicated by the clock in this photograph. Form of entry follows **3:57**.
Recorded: **6:01**
